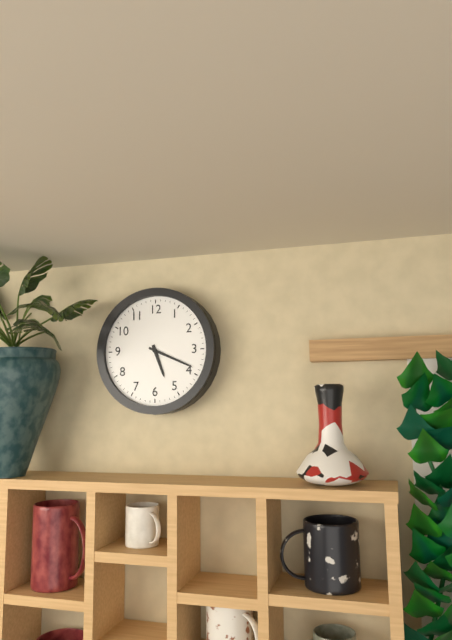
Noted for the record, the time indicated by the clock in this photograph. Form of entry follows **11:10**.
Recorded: **5:19**
